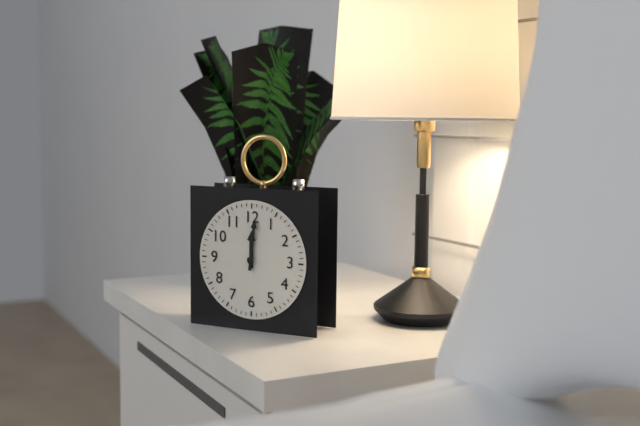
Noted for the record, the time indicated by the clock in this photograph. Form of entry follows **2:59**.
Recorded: **12:01**
